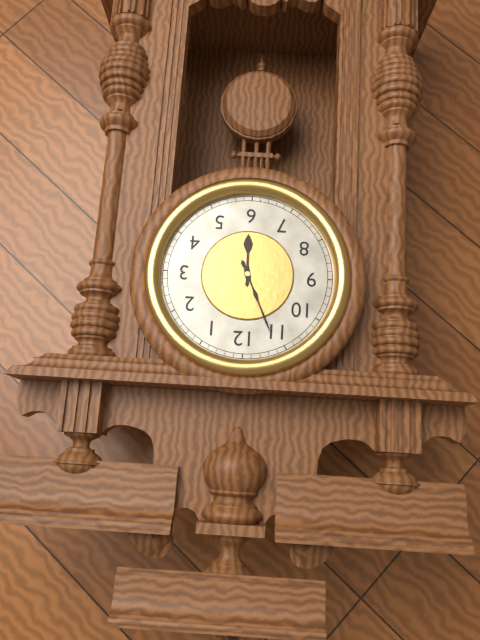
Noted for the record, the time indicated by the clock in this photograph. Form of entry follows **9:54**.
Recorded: **5:56**
